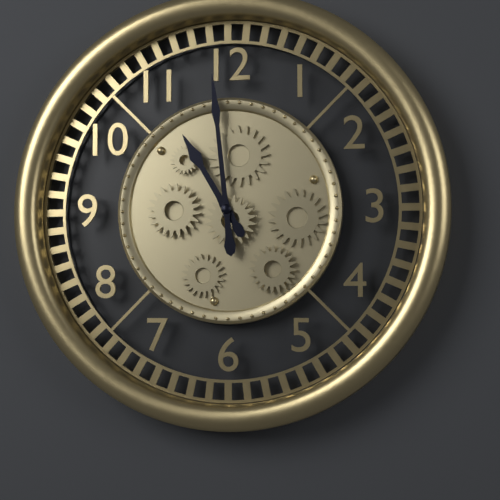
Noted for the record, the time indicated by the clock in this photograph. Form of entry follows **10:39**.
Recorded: **10:59**
